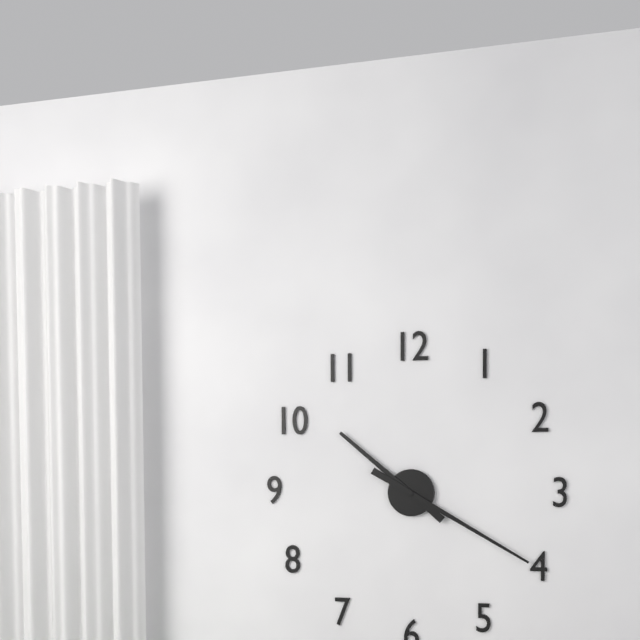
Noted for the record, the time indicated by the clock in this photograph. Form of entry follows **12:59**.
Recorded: **10:20**
